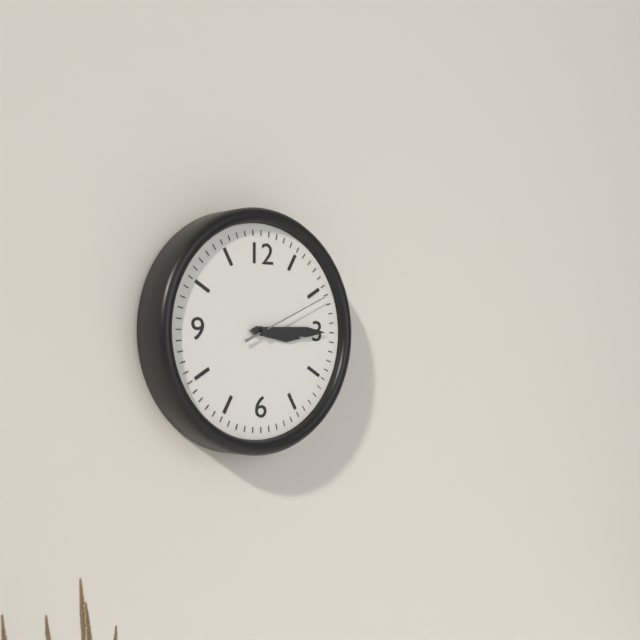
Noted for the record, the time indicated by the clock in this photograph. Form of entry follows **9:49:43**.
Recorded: **3:15:11**
